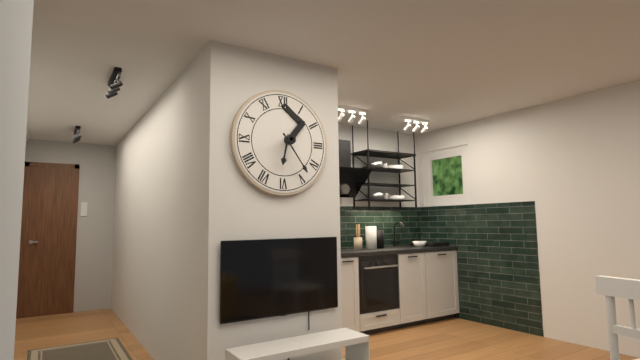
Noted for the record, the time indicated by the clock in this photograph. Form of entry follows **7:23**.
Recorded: **6:24**
